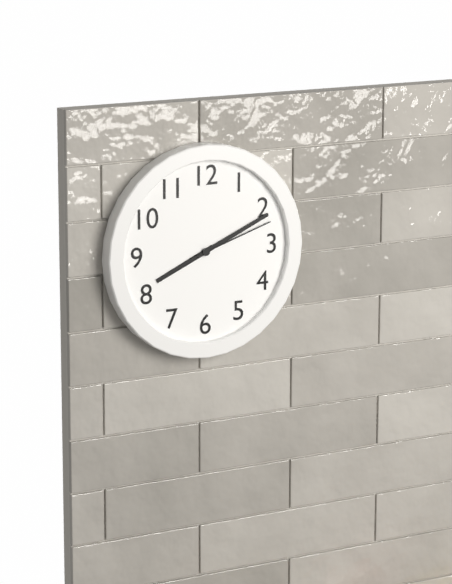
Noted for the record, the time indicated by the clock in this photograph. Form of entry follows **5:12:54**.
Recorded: **8:11:12**
